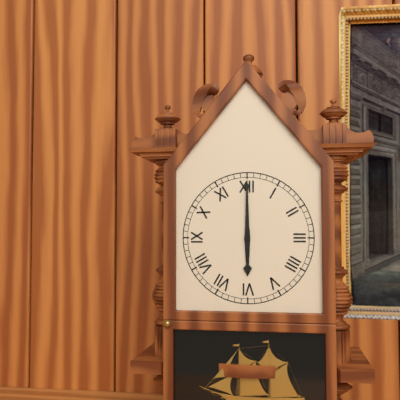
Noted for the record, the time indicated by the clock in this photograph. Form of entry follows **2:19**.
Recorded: **6:00**
